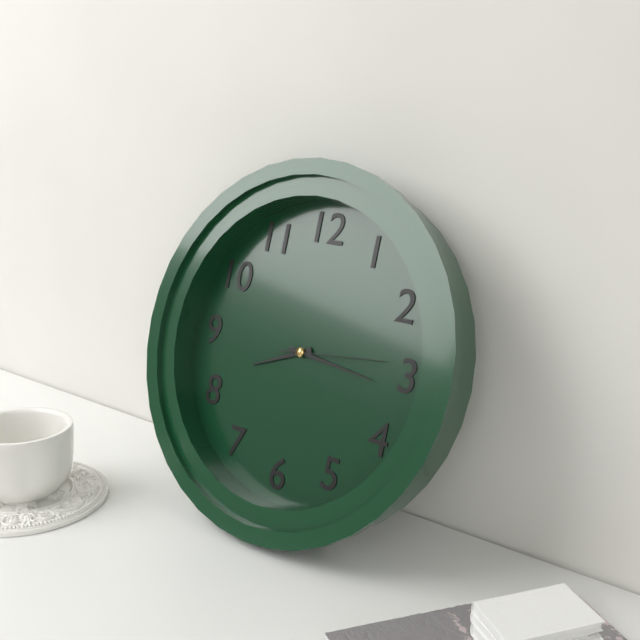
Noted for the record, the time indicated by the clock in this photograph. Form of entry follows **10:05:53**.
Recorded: **8:16:14**
